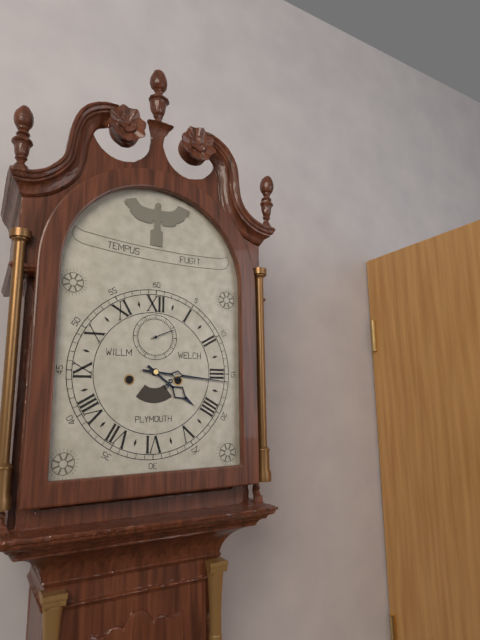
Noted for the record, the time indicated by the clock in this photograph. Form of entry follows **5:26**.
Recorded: **4:16**
